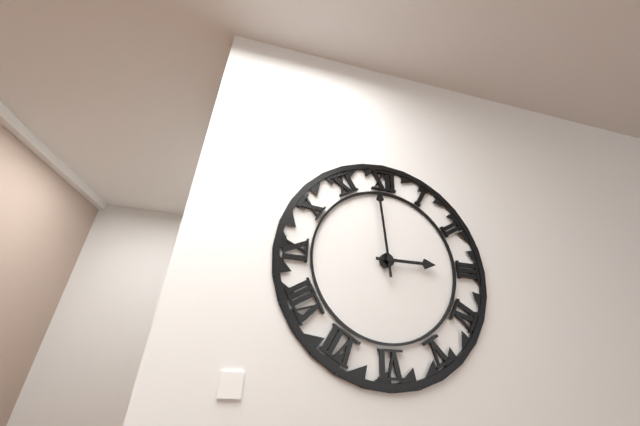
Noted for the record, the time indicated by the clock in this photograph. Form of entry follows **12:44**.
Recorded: **2:59**
